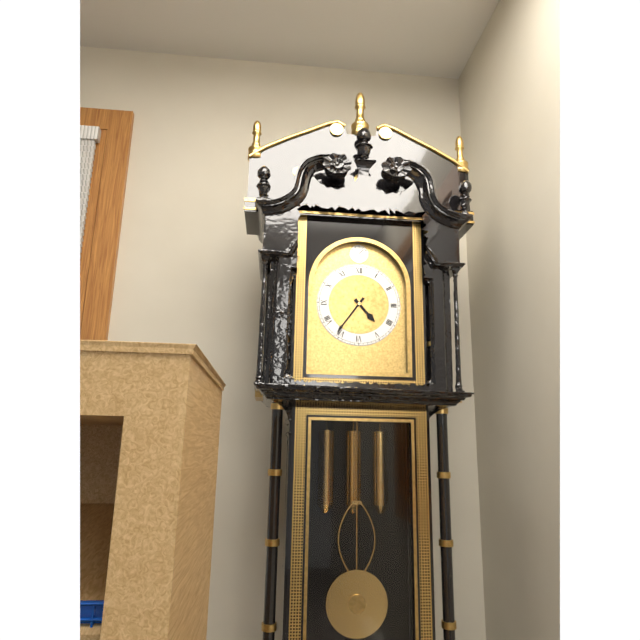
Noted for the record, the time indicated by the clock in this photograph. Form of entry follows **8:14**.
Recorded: **4:36**
